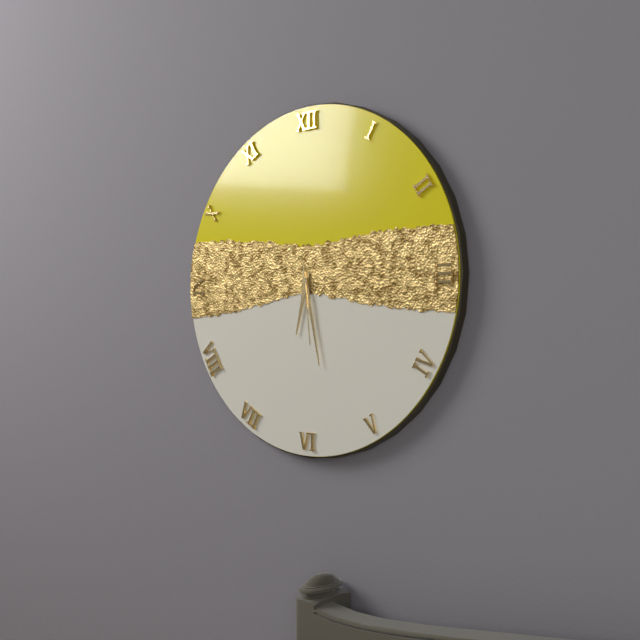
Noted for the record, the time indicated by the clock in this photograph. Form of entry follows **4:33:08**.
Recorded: **6:28:29**
